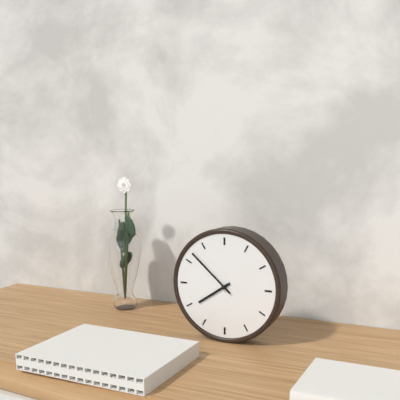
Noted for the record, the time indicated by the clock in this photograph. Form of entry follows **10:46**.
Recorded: **7:52**
